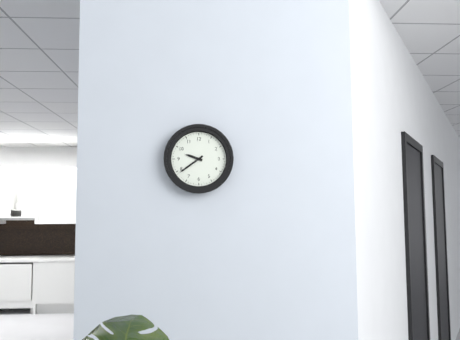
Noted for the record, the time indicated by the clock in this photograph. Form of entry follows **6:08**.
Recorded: **9:39**
